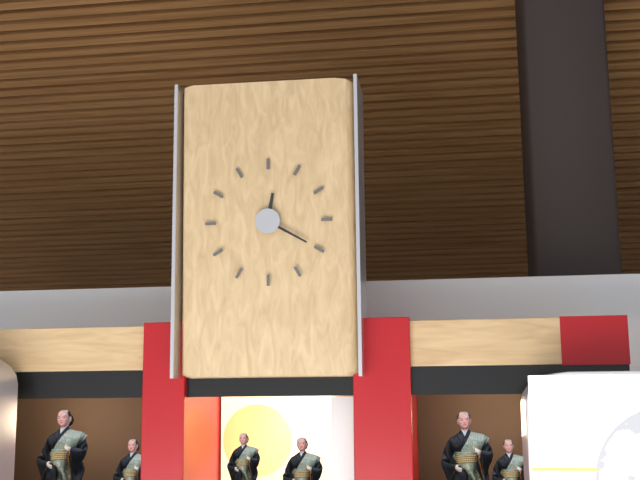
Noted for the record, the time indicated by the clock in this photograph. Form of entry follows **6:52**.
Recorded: **12:20**
